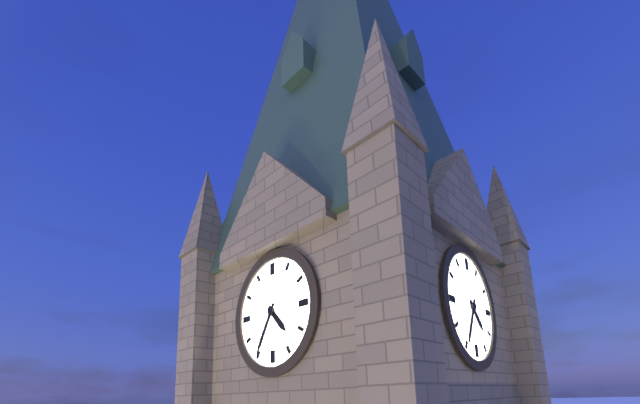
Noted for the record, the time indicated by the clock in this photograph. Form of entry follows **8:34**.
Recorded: **4:35**
